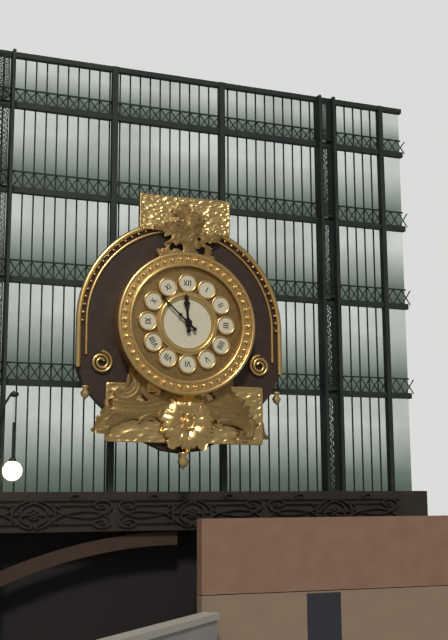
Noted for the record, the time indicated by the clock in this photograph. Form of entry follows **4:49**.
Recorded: **11:52**
